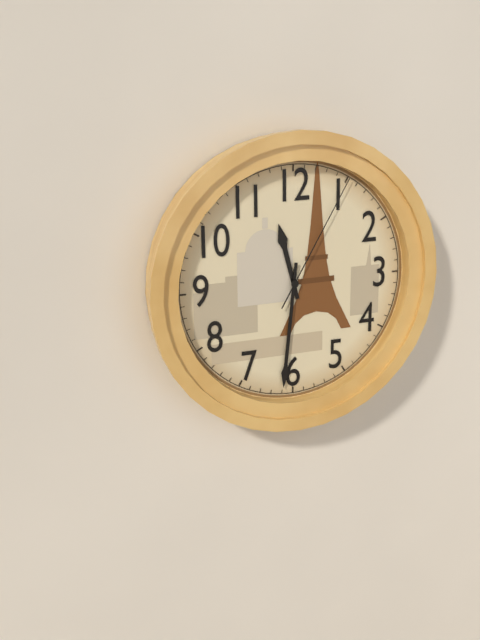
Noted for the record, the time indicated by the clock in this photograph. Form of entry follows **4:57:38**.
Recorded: **11:31:05**
